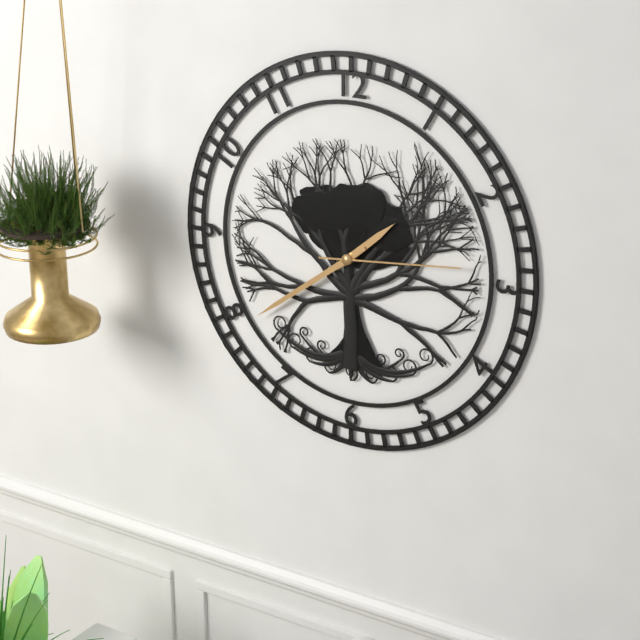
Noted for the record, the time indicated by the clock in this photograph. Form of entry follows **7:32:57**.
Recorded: **1:39:14**
